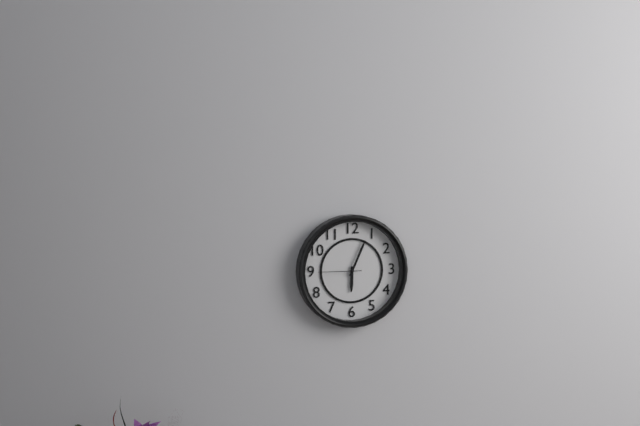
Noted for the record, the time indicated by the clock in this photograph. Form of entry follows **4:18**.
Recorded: **6:04**
